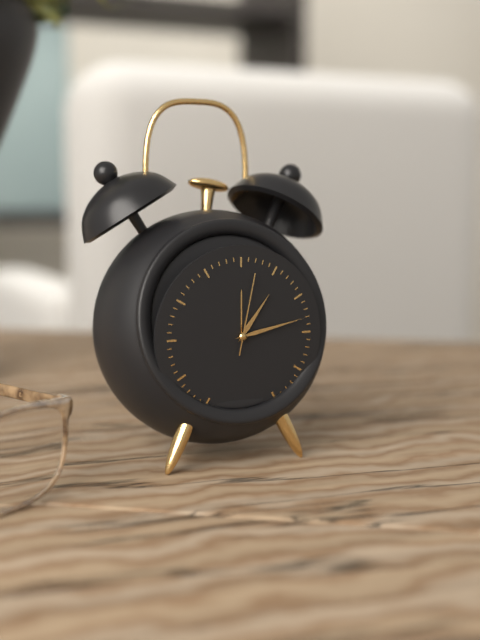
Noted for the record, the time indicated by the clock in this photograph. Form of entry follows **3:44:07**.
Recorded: **1:13:02**
